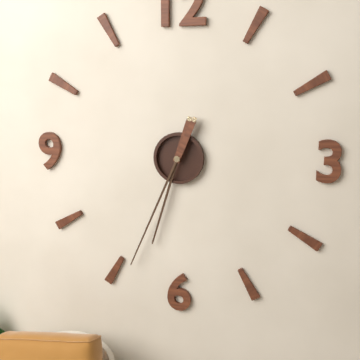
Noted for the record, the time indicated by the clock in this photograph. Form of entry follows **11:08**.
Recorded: **6:34**
